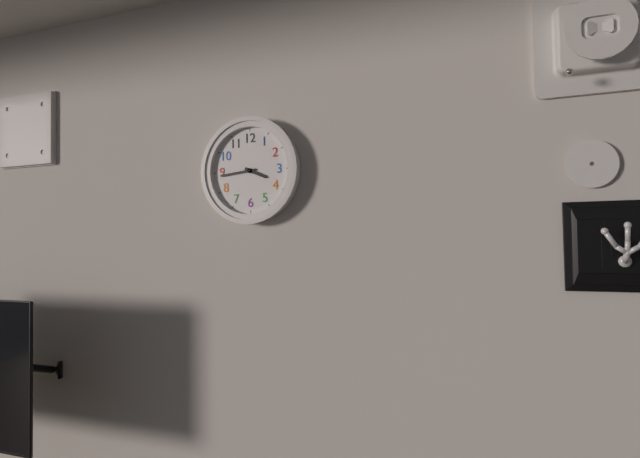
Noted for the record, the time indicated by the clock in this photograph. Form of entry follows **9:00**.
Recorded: **3:44**
